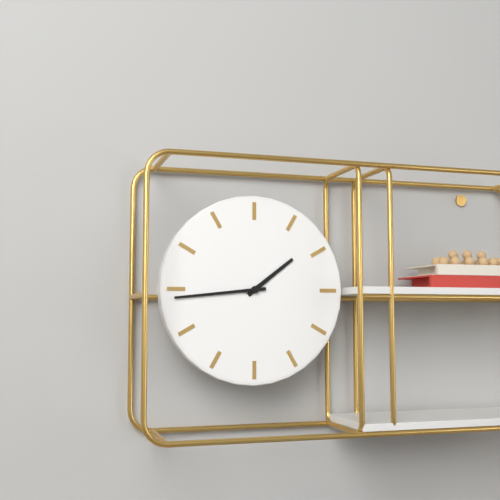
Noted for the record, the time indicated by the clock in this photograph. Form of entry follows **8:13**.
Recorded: **1:44**
